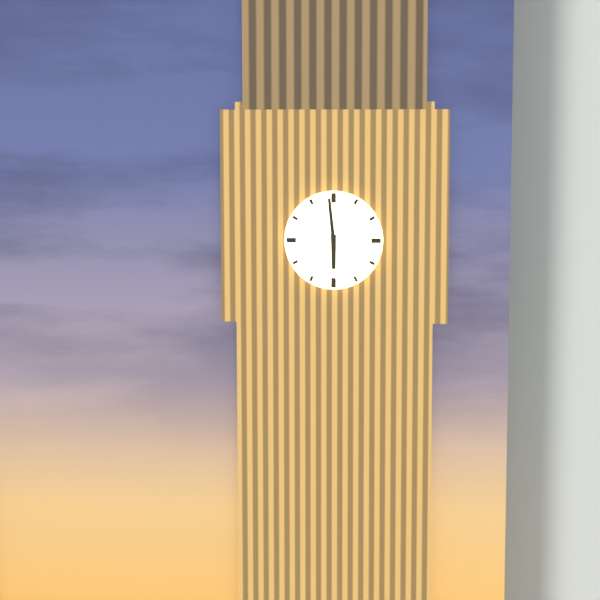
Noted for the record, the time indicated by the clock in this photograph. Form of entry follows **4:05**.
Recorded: **5:59**
